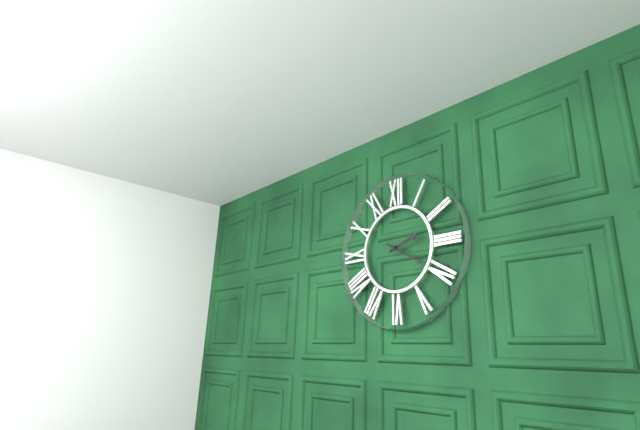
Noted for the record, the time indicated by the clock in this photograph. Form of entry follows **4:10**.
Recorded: **2:20**
